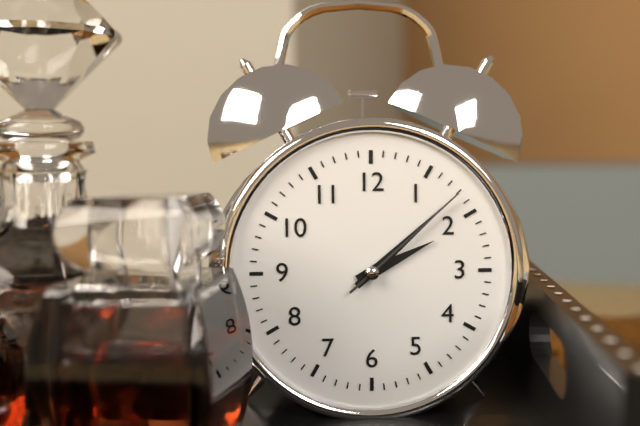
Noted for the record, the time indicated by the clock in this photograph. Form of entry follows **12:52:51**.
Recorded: **2:08:08**
